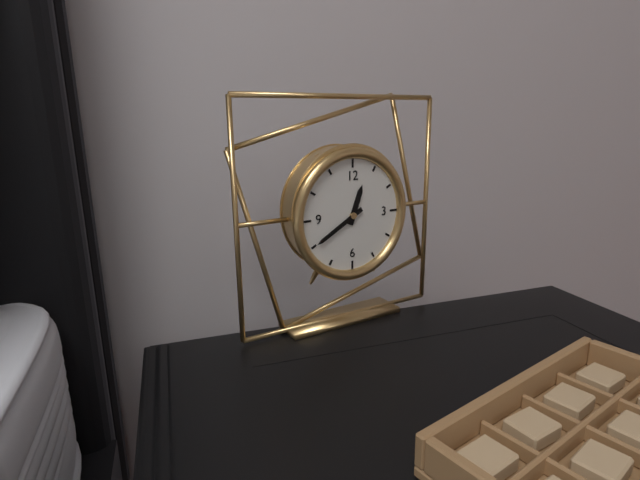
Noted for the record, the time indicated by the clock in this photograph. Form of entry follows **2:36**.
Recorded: **12:40**
